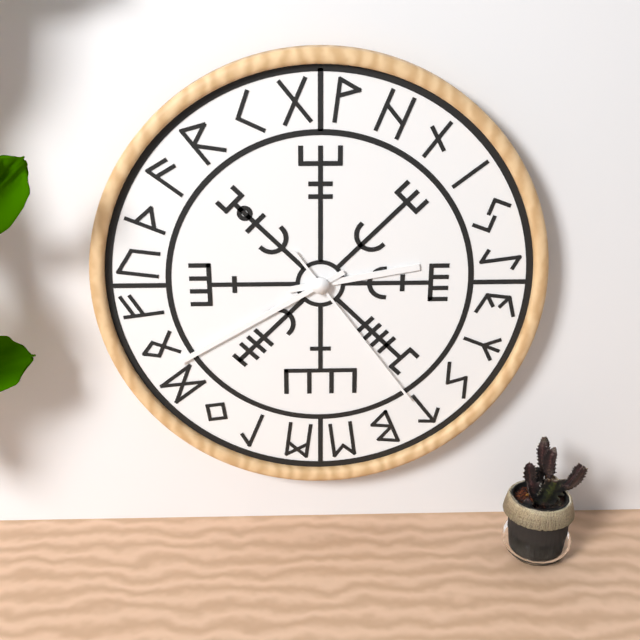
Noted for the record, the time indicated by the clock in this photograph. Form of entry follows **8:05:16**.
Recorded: **2:40:24**
